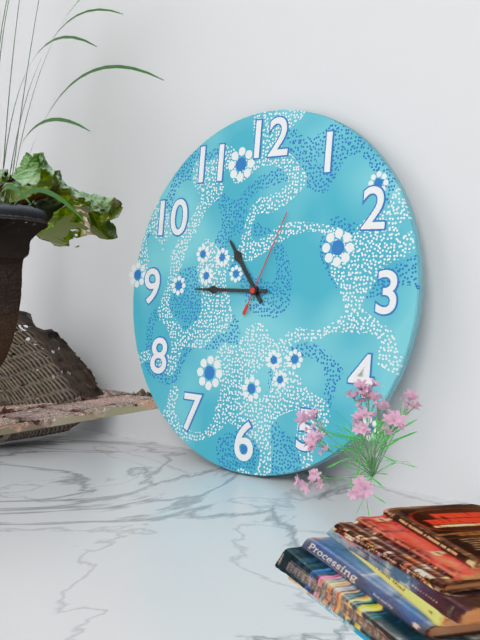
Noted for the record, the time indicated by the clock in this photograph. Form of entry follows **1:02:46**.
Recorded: **10:45:04**
